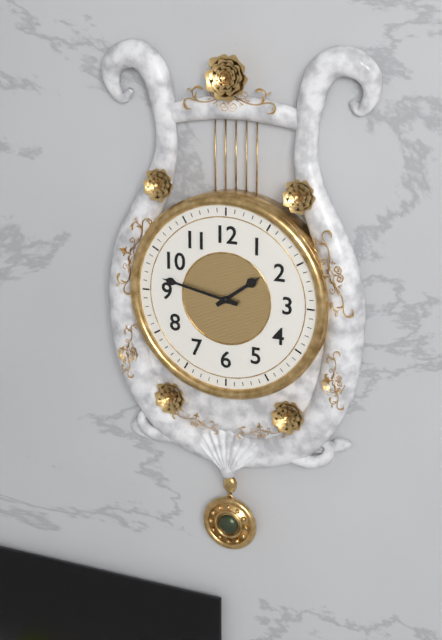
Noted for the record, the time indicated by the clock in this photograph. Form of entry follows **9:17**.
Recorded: **1:47**
